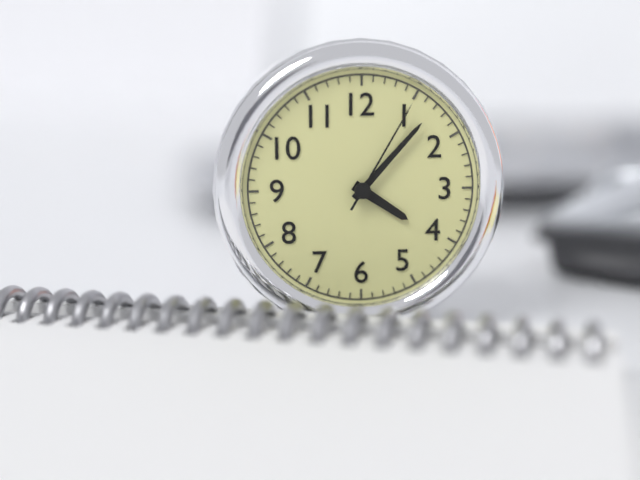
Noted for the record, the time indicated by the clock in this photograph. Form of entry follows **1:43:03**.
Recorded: **4:07:05**
